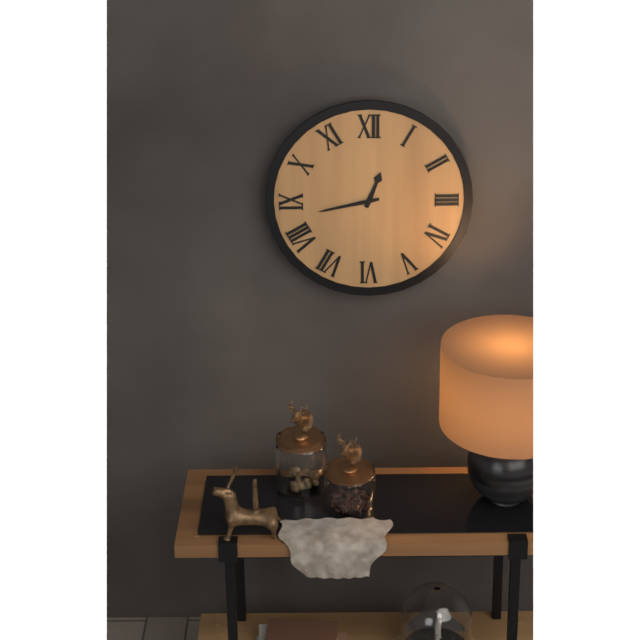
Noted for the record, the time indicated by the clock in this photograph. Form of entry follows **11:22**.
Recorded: **12:43**
